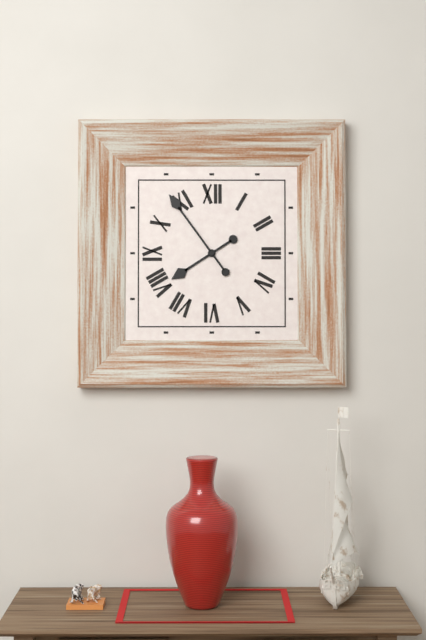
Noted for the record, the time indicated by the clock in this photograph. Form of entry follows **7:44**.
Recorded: **7:54**
